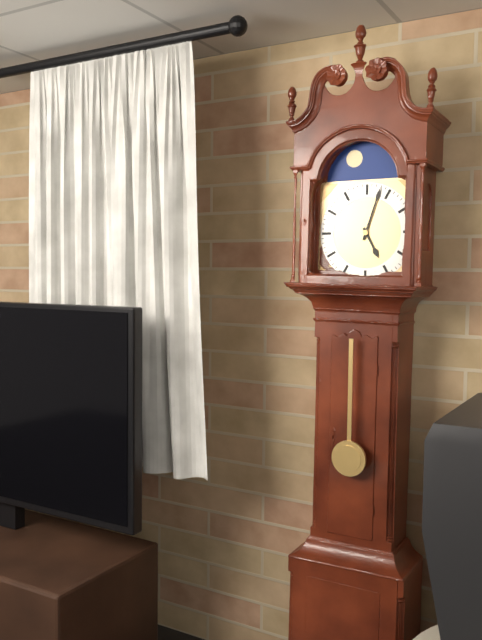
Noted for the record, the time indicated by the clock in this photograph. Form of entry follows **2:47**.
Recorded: **5:03**
